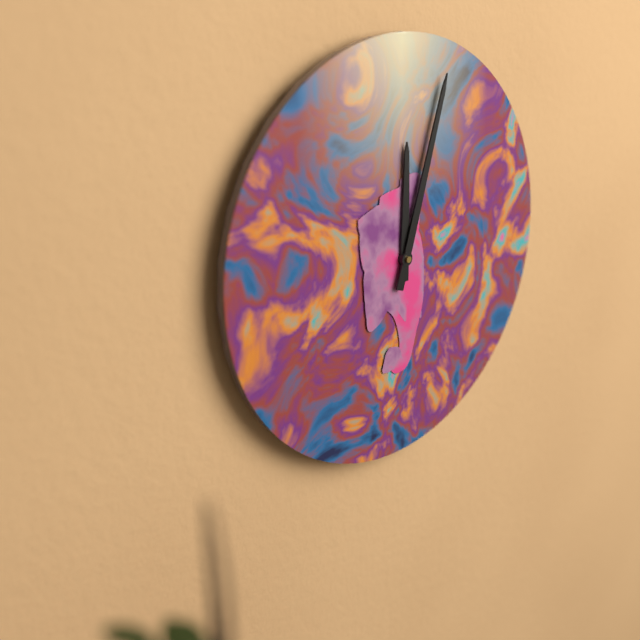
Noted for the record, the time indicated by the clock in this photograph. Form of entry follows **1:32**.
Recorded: **12:03**
